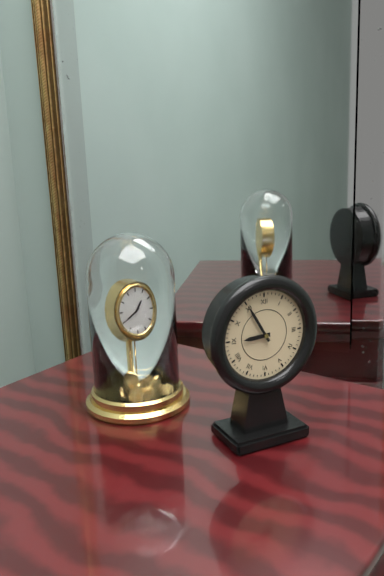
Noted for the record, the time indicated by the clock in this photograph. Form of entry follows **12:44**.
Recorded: **8:55**
